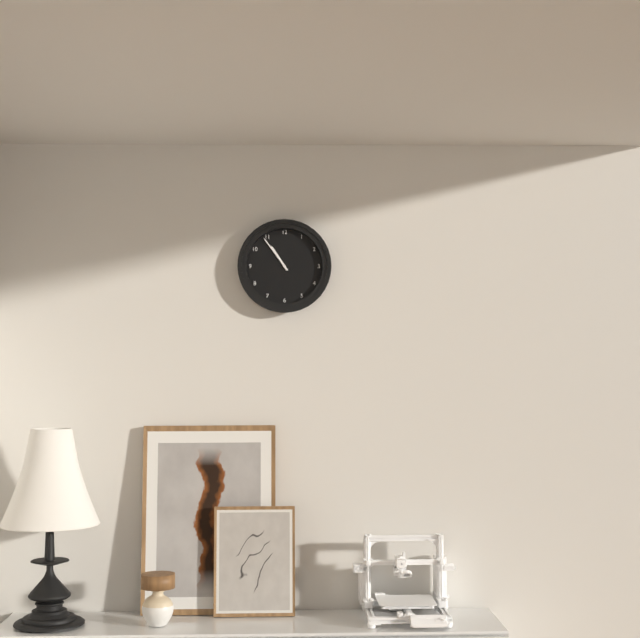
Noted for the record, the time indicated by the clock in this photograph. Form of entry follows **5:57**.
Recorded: **10:54**
